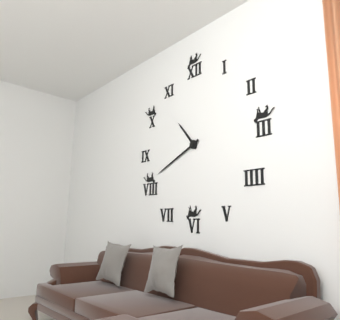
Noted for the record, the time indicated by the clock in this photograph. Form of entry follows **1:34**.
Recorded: **10:41**
